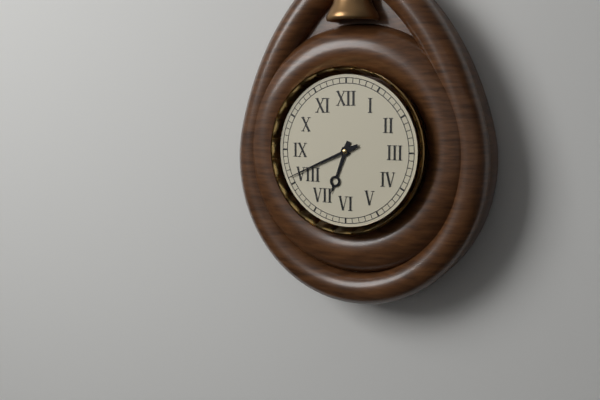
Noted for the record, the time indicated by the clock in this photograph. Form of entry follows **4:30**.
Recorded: **6:41**
